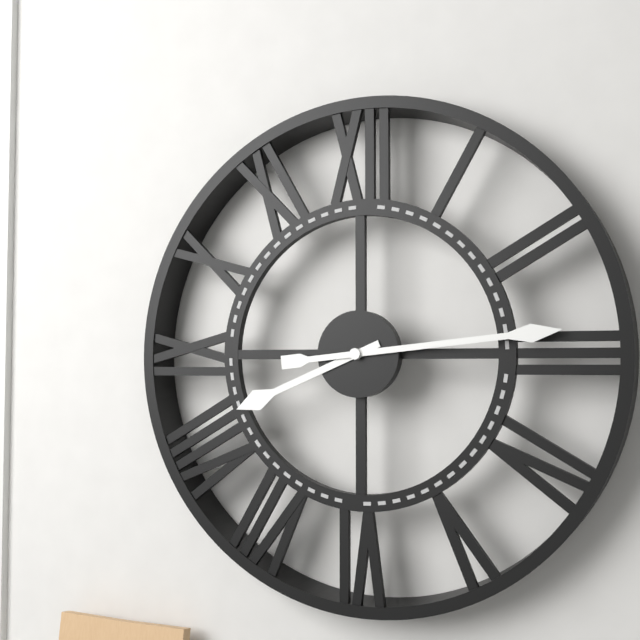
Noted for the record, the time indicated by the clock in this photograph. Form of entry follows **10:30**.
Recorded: **8:14**
